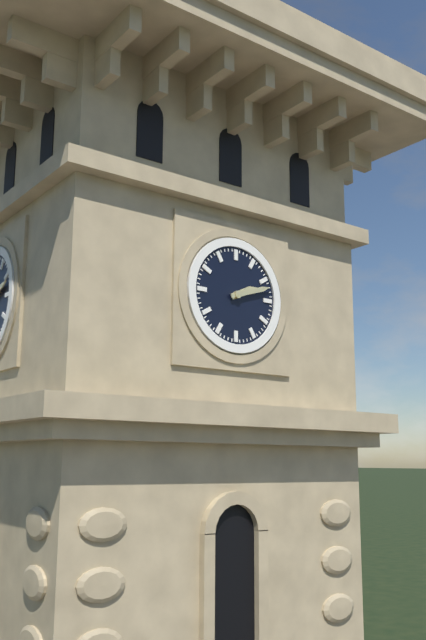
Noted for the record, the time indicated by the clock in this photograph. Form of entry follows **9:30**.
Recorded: **2:12**
